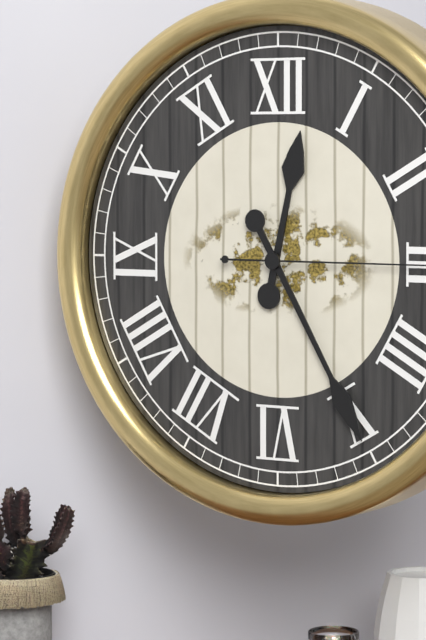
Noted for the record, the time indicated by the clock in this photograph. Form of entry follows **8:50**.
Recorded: **12:25**
